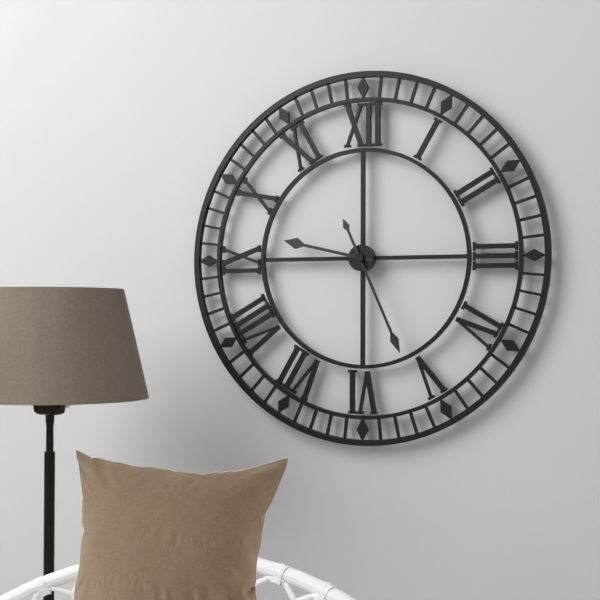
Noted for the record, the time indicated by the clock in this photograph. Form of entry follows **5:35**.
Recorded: **9:26**
